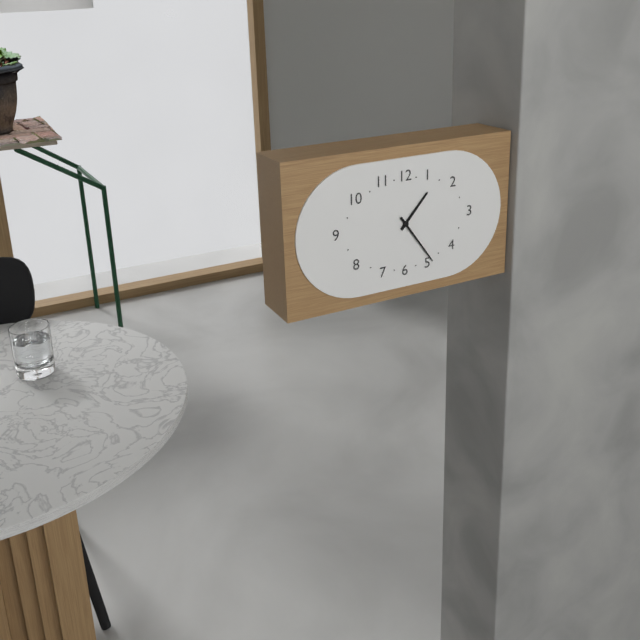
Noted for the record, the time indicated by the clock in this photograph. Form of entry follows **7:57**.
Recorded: **1:24**
